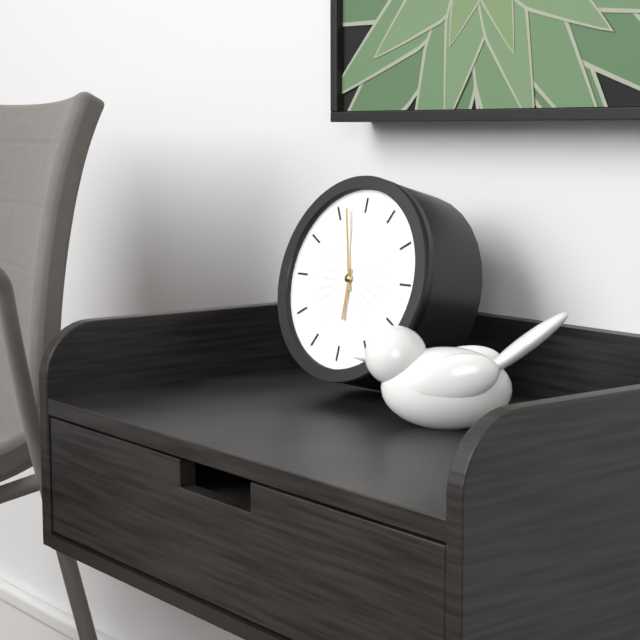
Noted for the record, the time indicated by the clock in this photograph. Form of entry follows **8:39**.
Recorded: **5:57**
